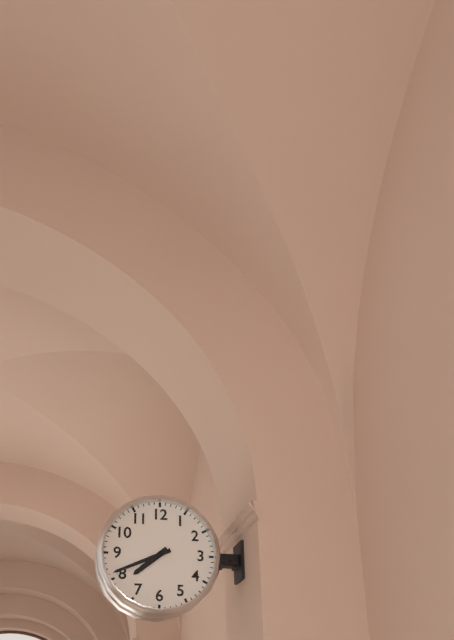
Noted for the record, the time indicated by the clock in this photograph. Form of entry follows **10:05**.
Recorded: **7:41**
